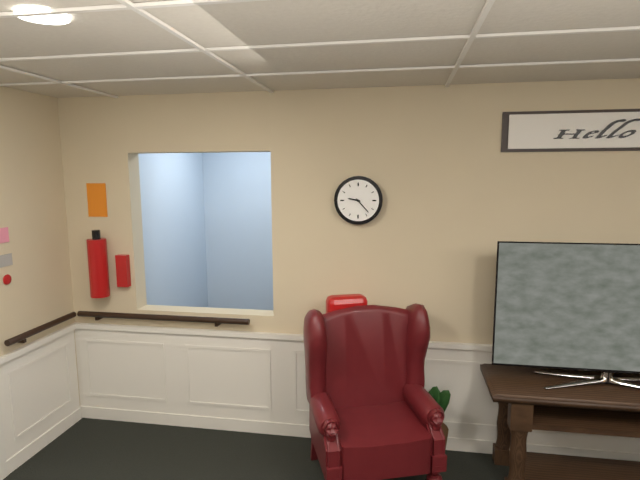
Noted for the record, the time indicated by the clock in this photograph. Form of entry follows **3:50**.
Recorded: **9:23**
